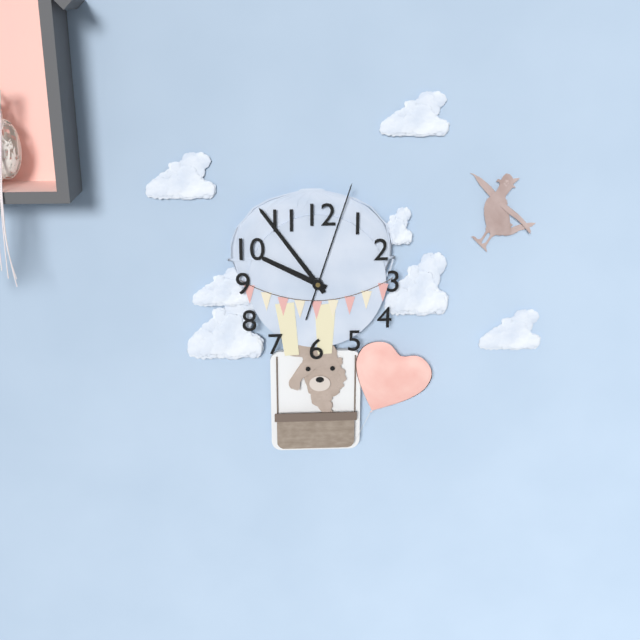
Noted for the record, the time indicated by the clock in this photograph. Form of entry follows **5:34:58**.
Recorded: **9:54:03**
